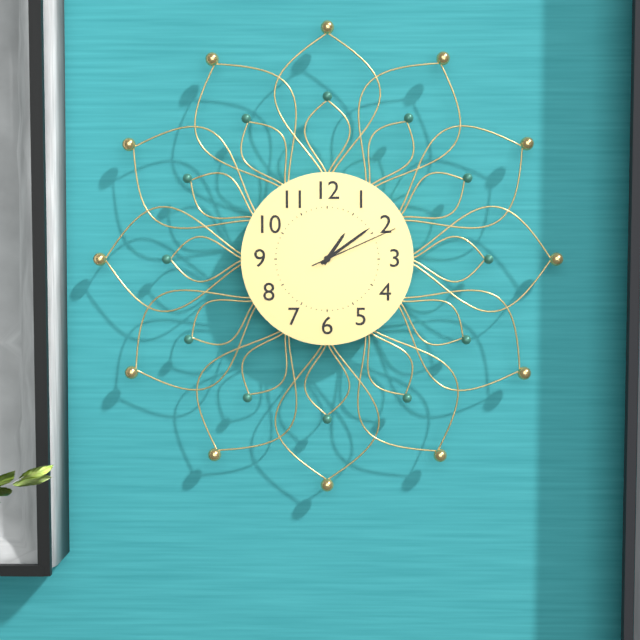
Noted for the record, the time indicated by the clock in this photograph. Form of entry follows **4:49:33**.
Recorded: **1:09:11**
